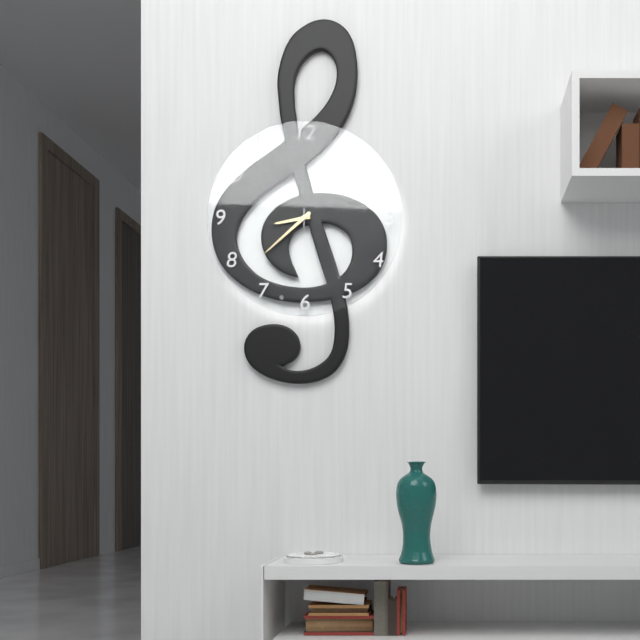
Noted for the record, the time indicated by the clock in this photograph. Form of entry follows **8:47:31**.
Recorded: **8:38:00**
